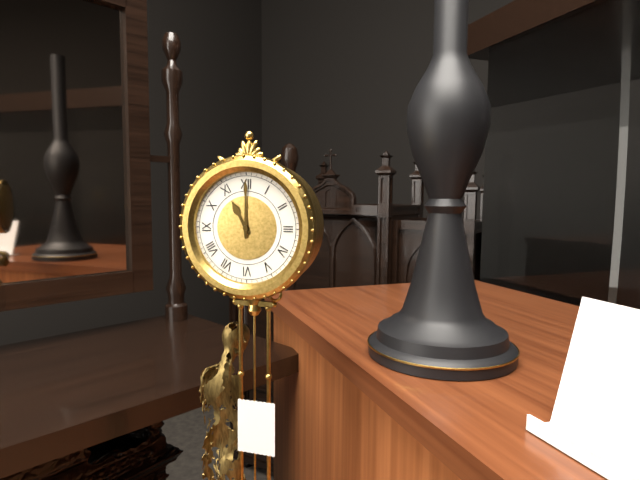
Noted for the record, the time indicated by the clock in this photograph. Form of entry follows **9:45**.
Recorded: **11:00**
